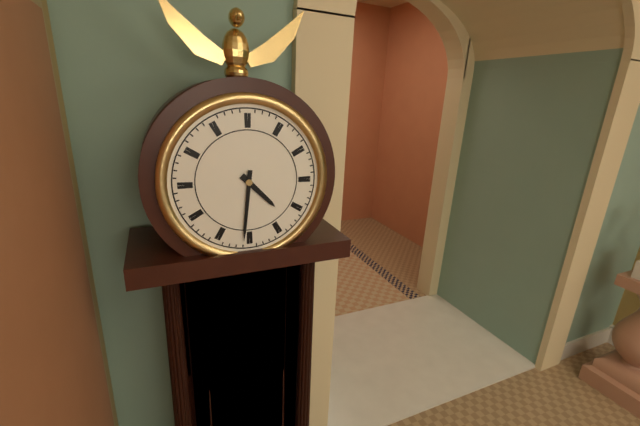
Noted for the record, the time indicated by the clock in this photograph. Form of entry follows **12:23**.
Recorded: **4:31**
